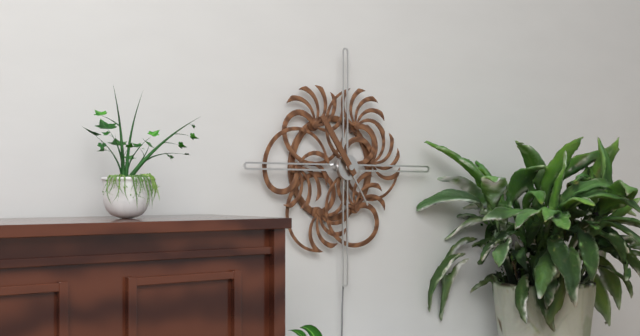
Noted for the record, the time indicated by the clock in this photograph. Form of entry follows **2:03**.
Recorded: **4:54**
